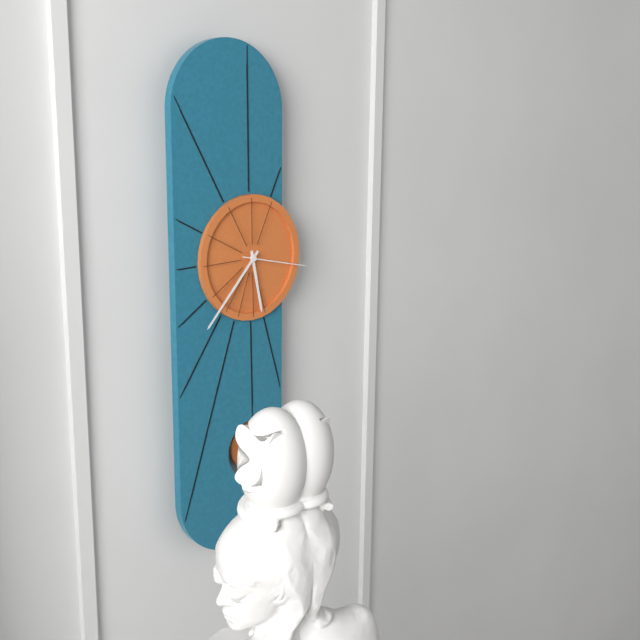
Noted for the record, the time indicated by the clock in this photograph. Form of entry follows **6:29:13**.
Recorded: **5:37:17**
